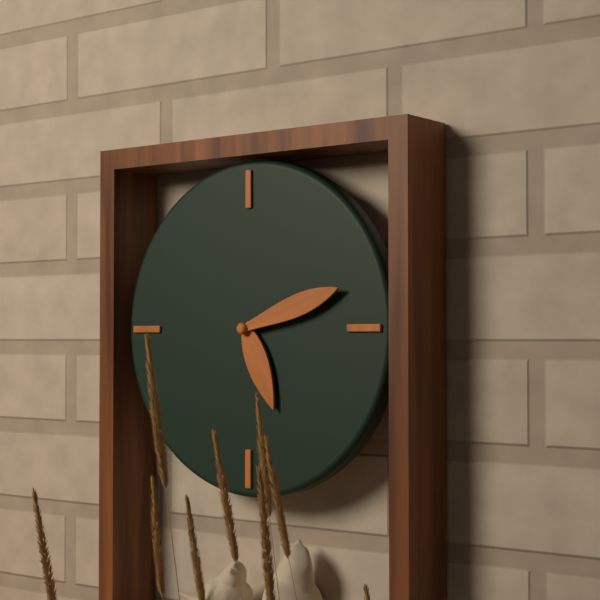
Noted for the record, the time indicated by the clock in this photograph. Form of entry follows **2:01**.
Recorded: **5:12**
